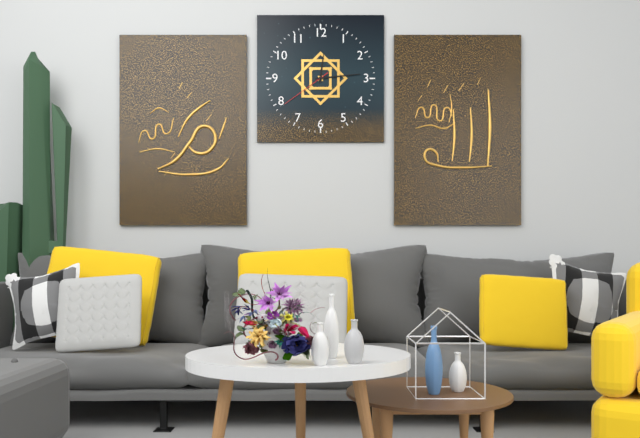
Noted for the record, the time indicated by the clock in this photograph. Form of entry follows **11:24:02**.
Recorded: **12:14:39**
